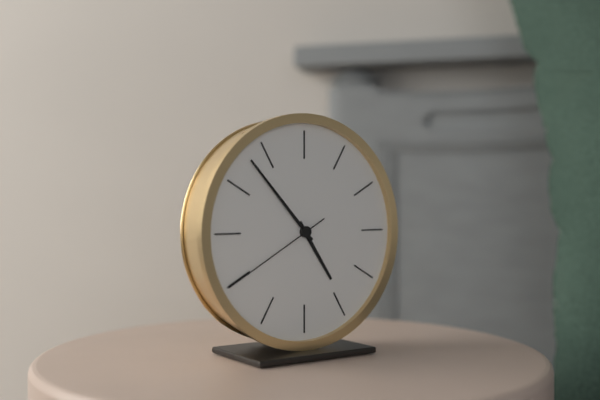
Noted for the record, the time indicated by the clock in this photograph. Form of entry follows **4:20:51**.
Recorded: **4:53:40**
